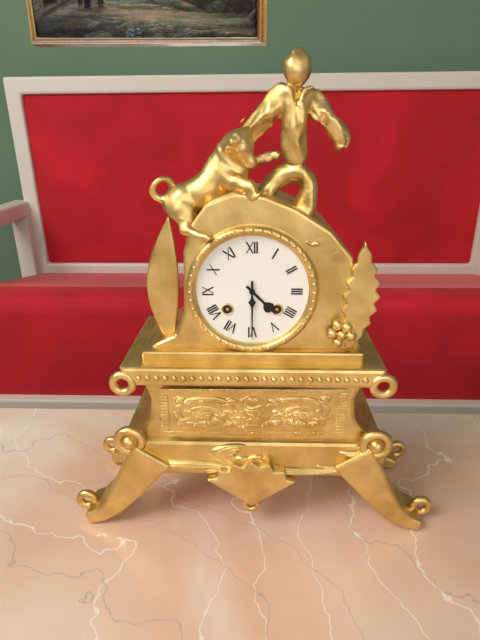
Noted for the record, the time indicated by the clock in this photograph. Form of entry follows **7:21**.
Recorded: **4:30**
